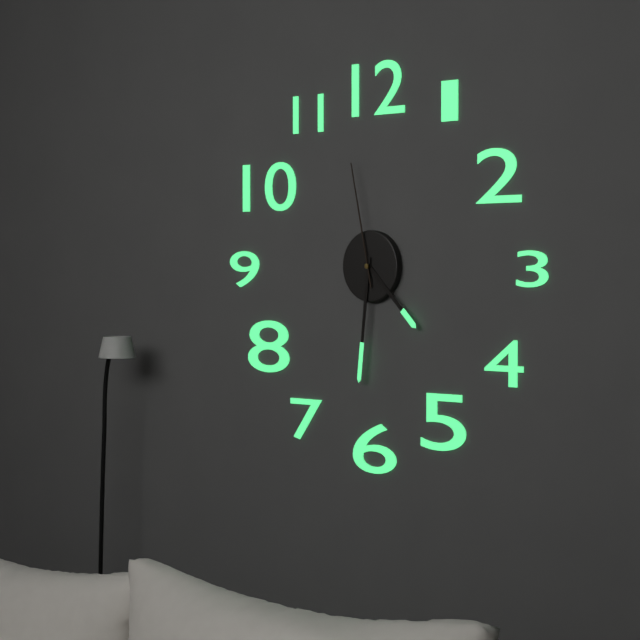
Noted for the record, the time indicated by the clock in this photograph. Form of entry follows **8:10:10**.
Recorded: **4:31:58**
